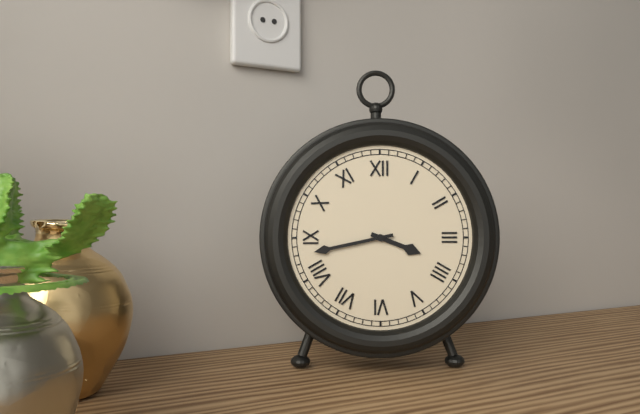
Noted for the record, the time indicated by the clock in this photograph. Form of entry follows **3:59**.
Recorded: **3:43**
